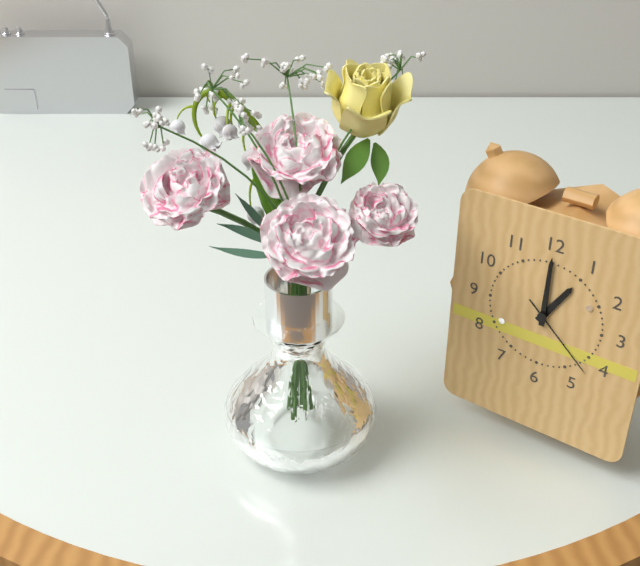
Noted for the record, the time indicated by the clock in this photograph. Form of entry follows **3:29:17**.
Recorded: **1:00:22**
